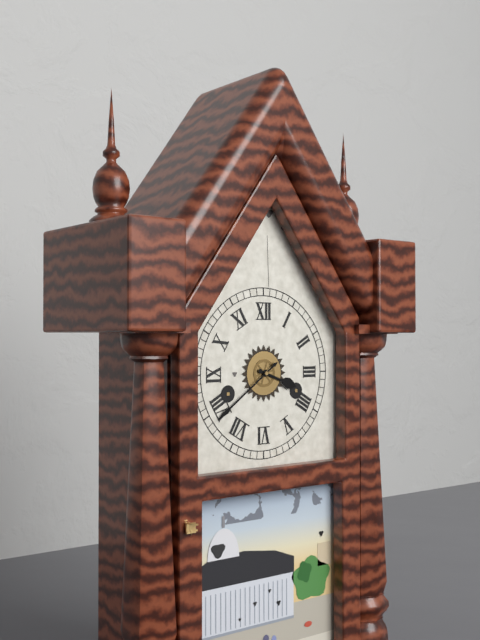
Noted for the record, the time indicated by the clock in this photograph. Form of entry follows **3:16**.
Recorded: **3:39**
